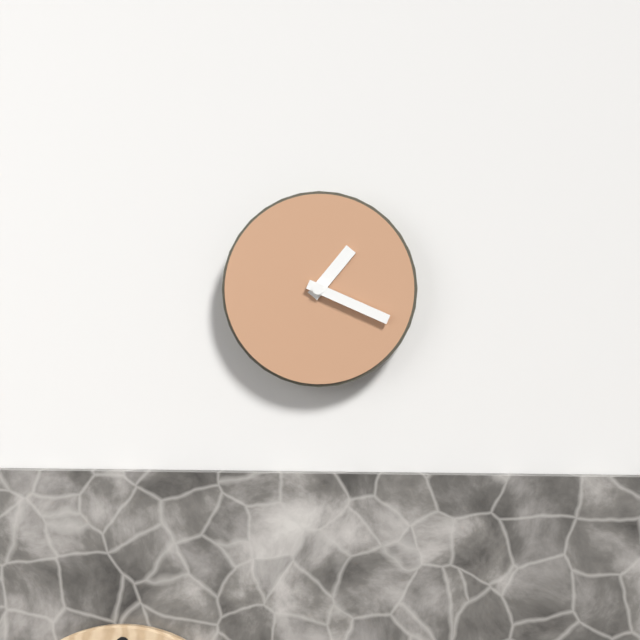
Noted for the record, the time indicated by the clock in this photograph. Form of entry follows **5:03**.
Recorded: **1:19**
